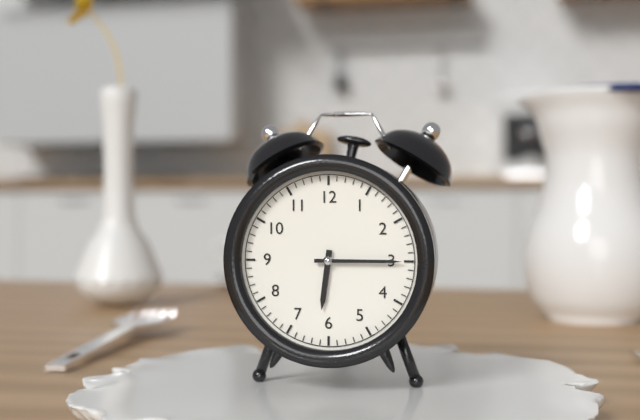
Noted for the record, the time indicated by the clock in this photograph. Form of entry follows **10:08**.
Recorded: **6:15**
